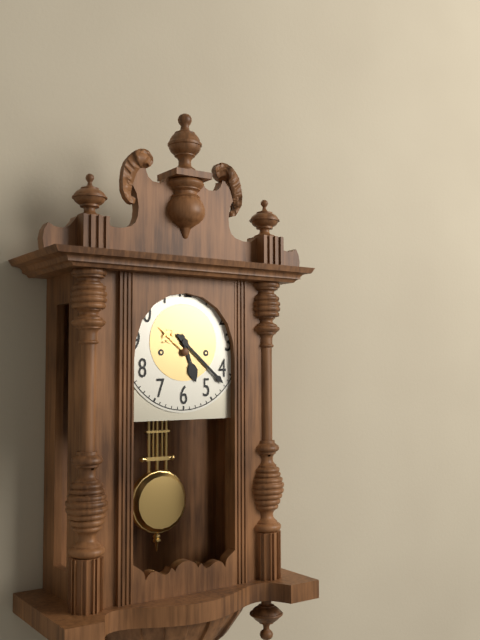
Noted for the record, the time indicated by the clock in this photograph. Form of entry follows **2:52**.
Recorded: **5:22**
